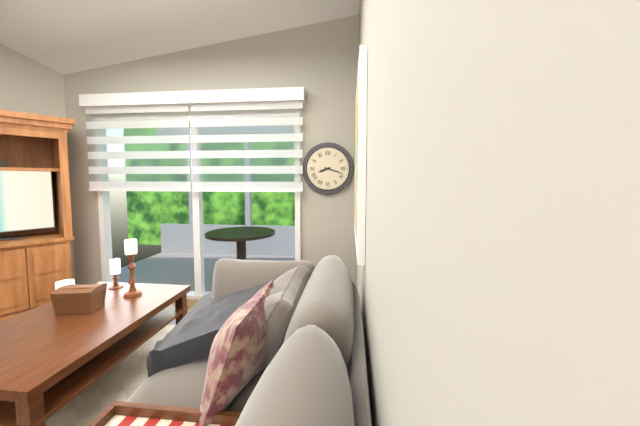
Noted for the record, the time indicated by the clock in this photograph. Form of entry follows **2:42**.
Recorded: **8:18**
